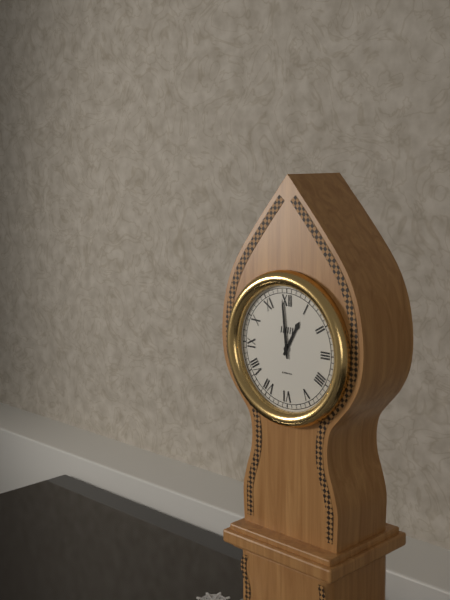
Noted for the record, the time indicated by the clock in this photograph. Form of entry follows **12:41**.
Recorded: **12:59**
